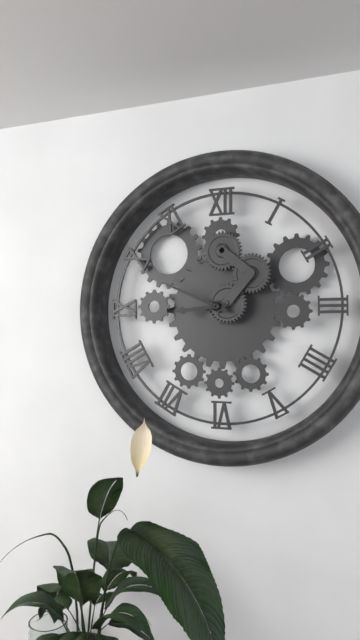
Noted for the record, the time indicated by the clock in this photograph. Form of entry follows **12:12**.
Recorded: **8:49**
